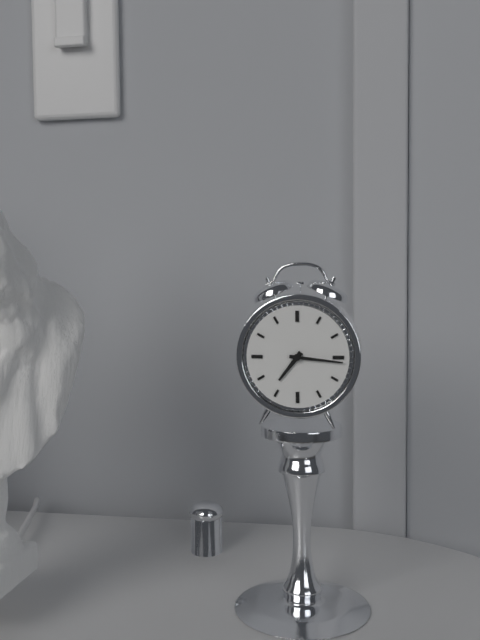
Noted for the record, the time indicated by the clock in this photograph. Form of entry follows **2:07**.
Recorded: **7:16**
